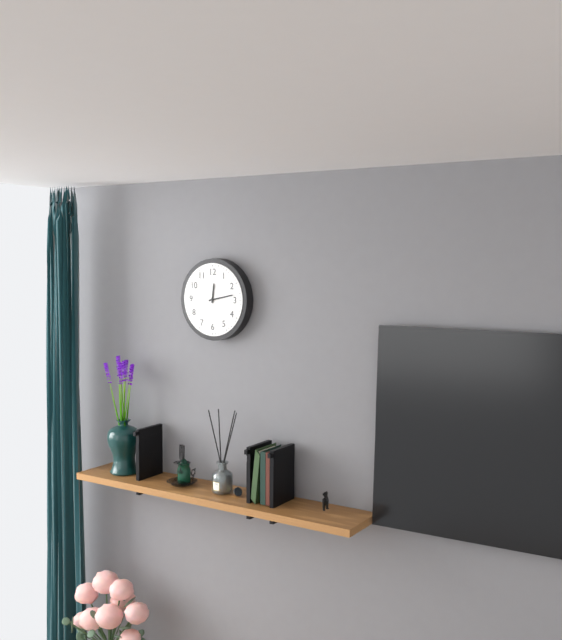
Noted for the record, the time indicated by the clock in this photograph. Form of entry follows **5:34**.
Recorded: **12:13**
